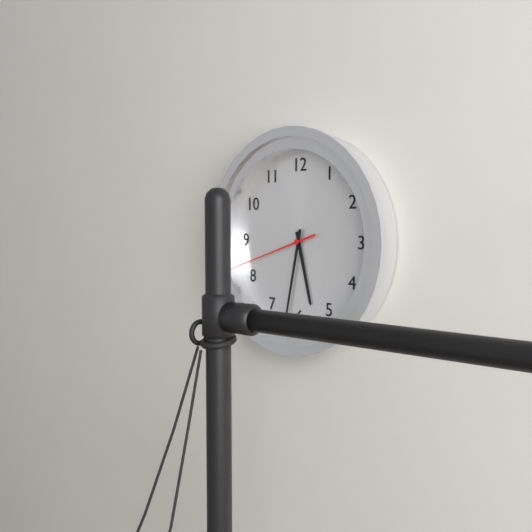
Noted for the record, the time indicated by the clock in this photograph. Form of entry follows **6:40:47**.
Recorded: **5:32:42**
